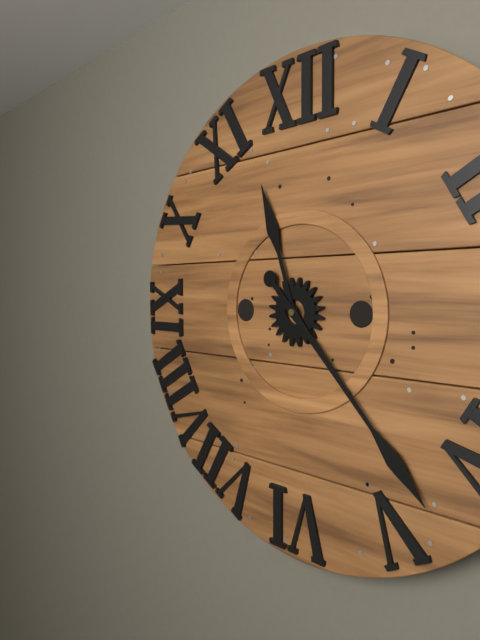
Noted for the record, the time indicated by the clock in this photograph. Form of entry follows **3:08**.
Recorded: **11:23**
